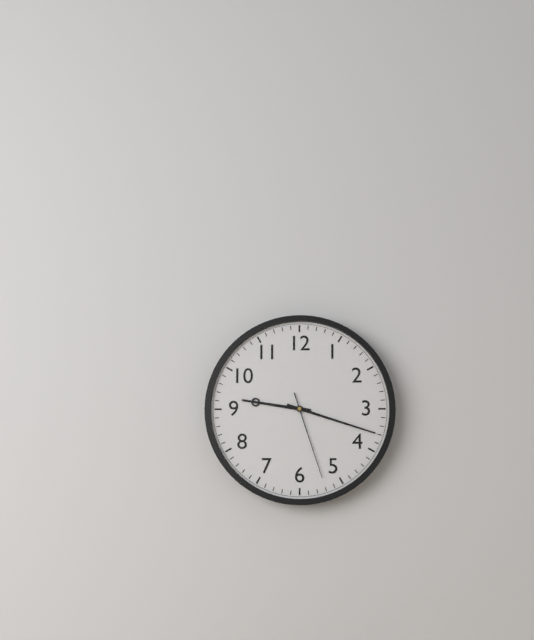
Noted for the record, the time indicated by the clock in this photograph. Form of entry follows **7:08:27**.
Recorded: **9:18:27**
